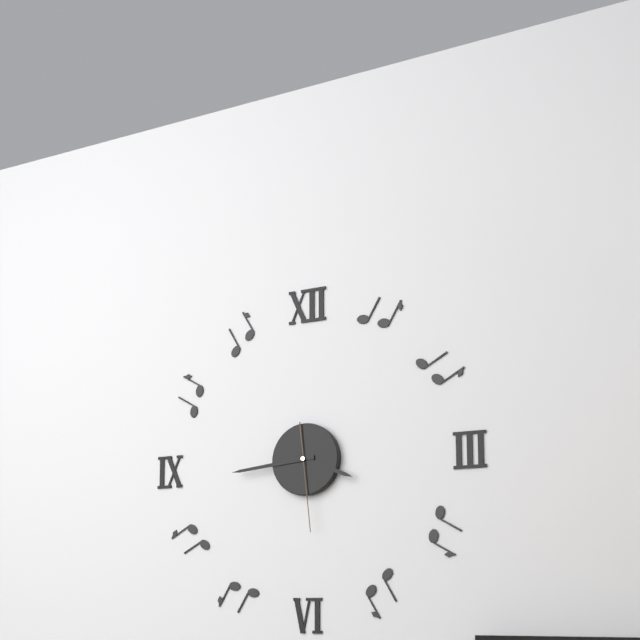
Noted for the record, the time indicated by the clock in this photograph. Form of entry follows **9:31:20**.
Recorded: **3:44:29**
